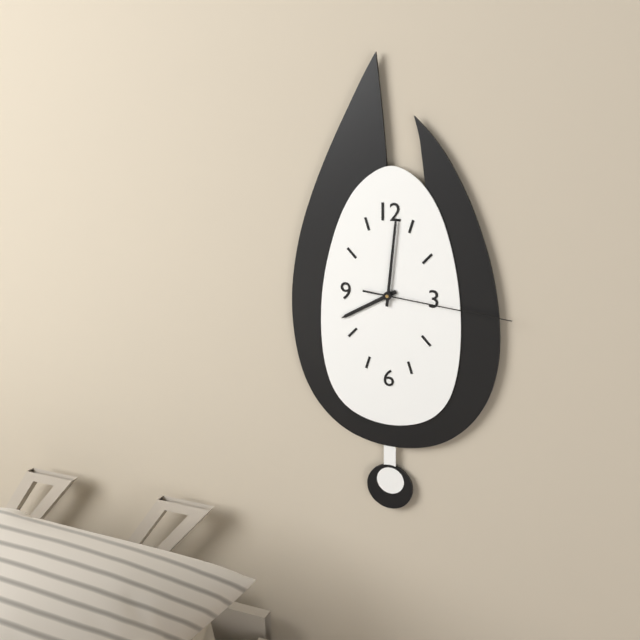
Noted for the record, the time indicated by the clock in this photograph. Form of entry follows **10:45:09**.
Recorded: **8:01:16**
